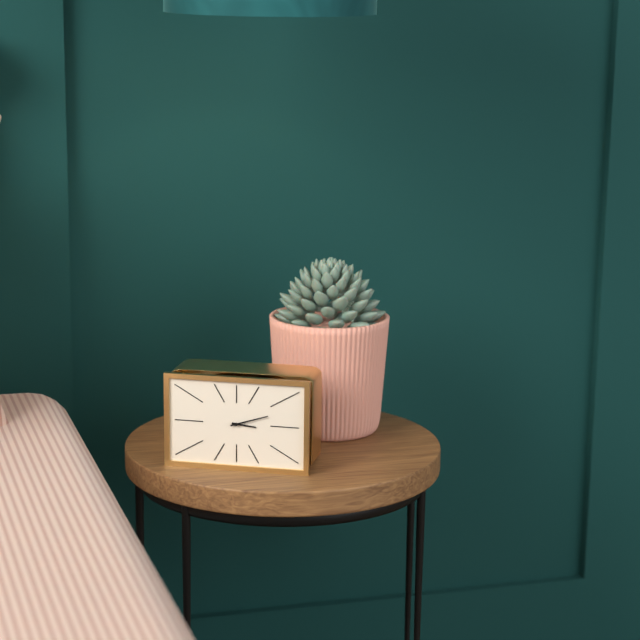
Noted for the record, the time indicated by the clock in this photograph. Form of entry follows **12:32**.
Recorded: **3:12**
